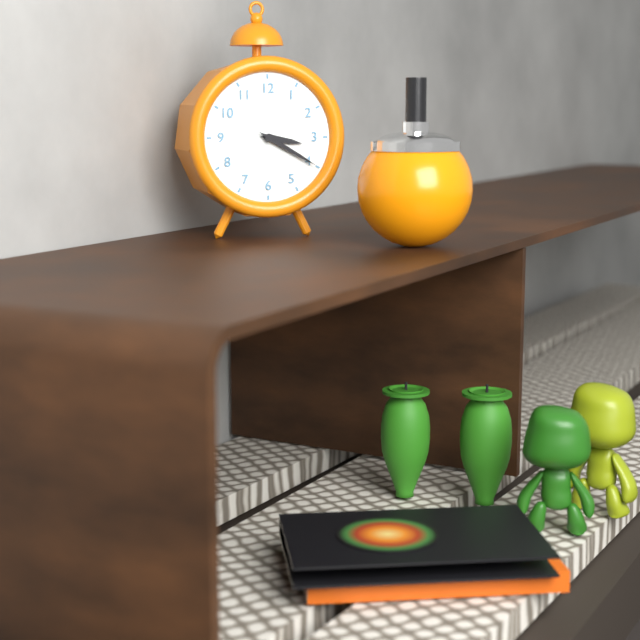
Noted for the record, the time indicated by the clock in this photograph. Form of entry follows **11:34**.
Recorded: **3:20**
